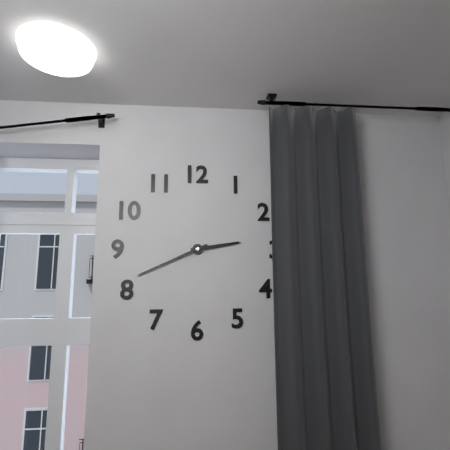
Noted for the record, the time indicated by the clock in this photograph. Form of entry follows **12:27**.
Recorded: **2:41**
